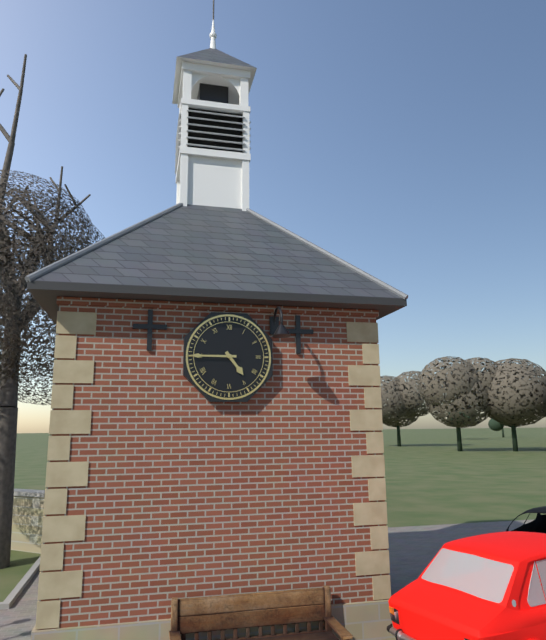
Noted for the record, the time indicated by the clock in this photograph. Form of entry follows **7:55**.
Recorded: **4:45**
